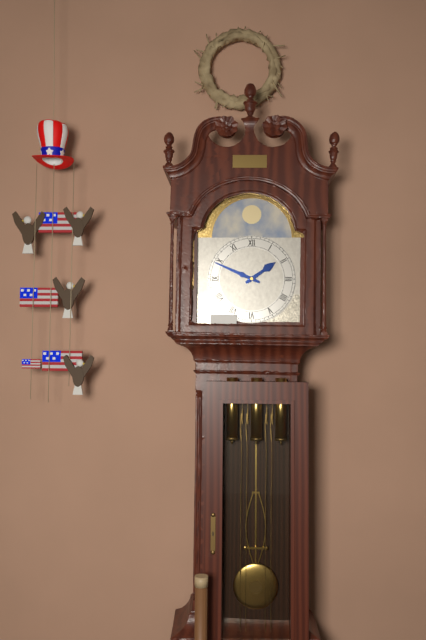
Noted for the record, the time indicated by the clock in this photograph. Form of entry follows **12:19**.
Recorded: **1:49**
